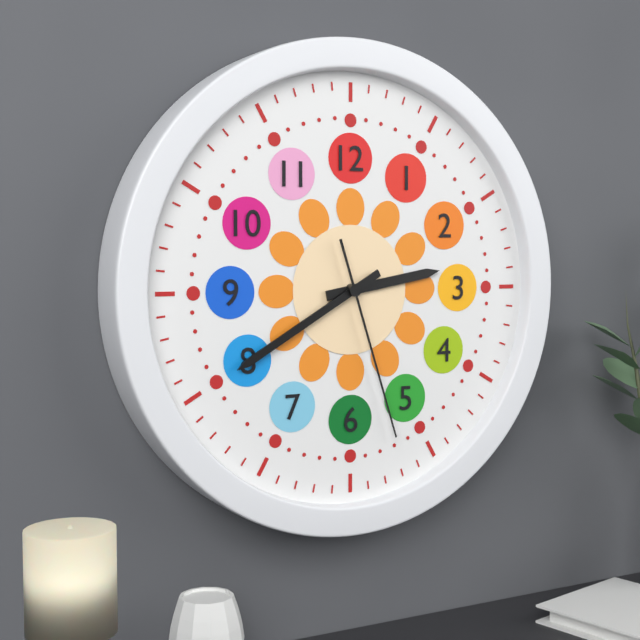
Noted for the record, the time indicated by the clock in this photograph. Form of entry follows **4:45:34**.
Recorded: **2:40:27**
